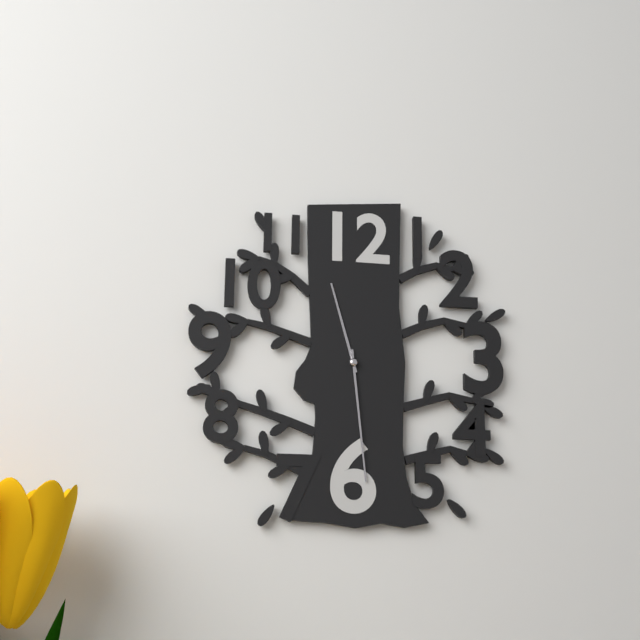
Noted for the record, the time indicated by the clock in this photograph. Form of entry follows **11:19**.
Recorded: **11:29**
